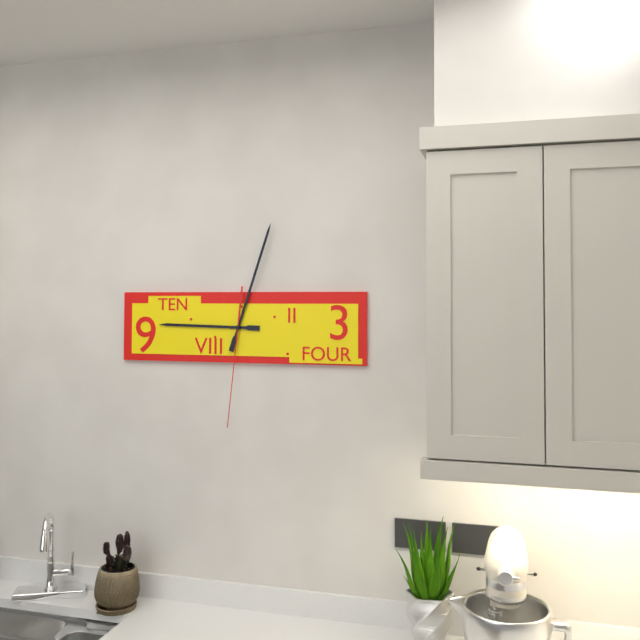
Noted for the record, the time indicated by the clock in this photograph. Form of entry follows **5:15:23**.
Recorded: **9:03:31**
